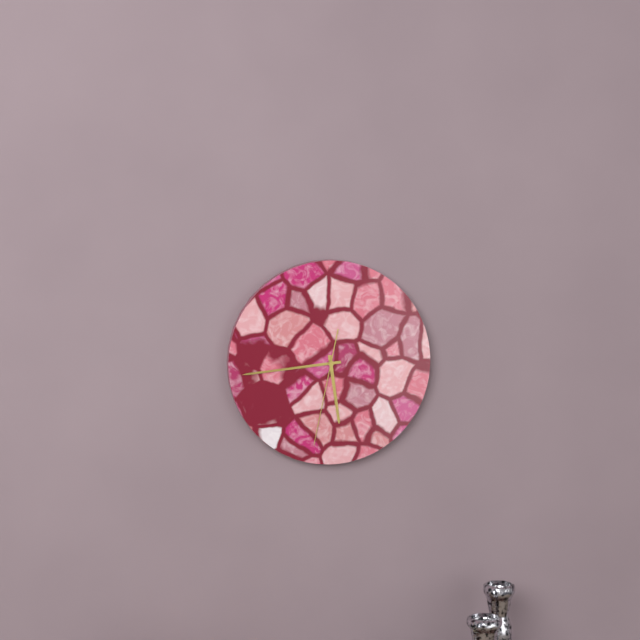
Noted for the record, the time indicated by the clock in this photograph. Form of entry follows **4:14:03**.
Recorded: **5:44:32**
